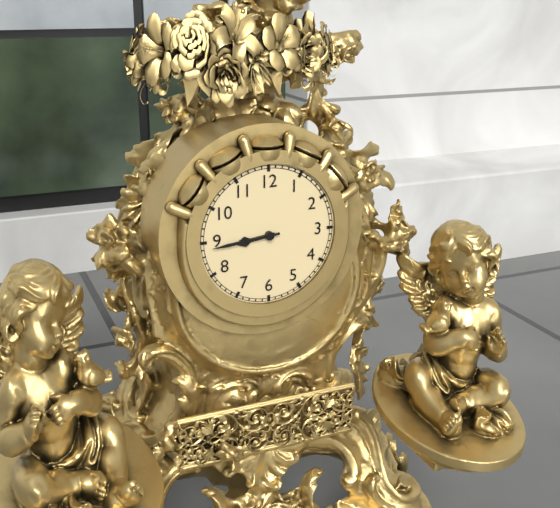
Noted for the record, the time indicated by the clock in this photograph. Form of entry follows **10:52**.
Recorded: **8:44**
